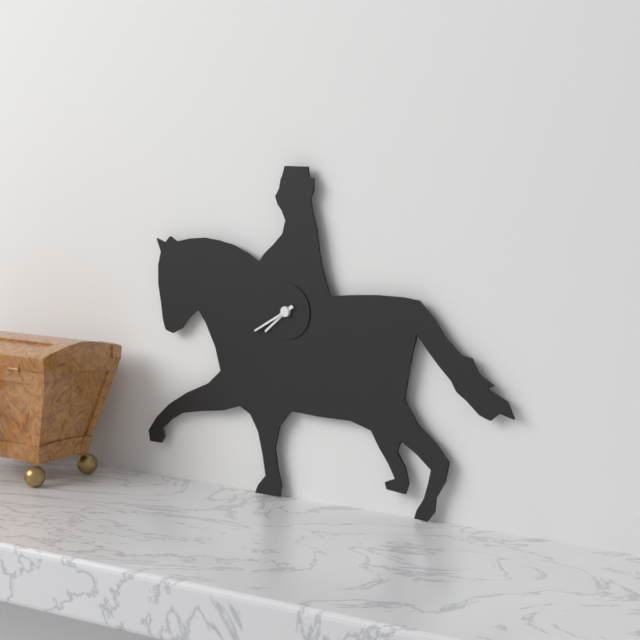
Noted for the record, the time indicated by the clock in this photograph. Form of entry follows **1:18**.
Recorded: **7:40**
